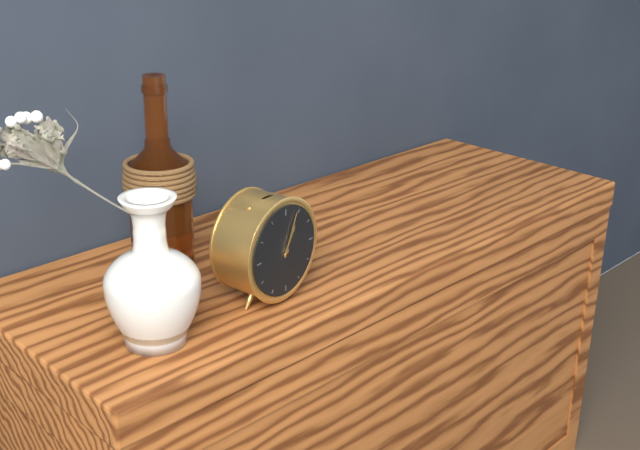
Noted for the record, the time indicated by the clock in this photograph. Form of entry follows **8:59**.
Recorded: **1:04**
